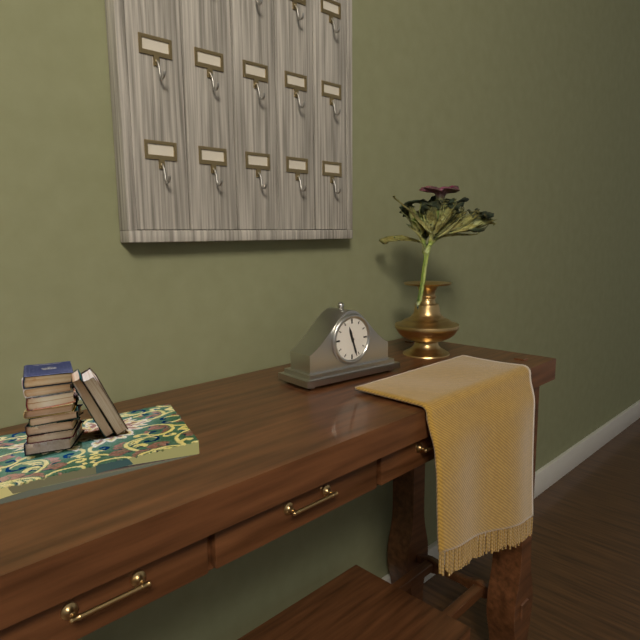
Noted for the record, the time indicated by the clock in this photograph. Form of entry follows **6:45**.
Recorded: **11:27**
